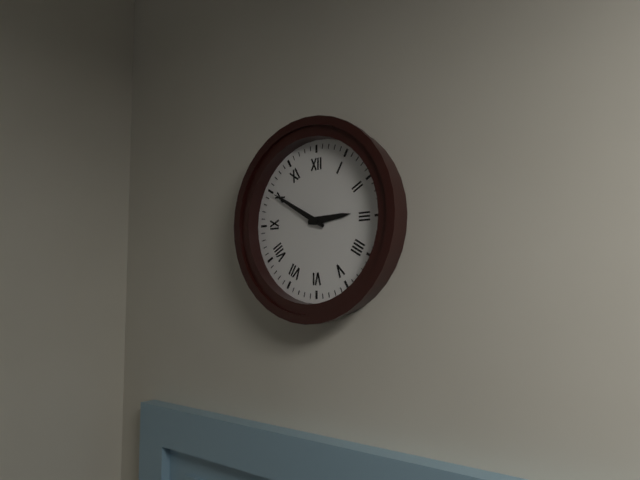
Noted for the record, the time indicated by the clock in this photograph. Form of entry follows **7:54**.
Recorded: **2:50**
